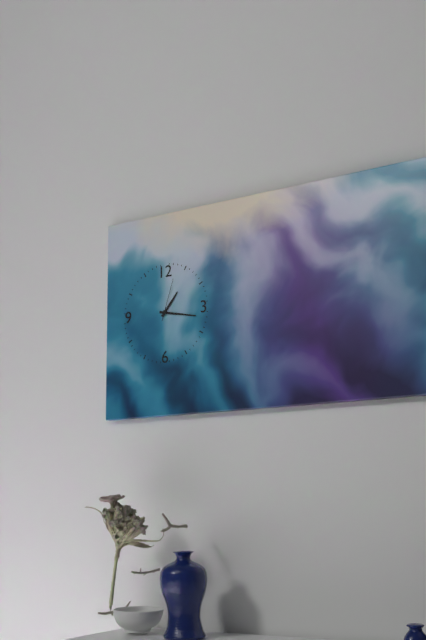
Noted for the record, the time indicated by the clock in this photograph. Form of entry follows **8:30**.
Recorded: **1:17**
